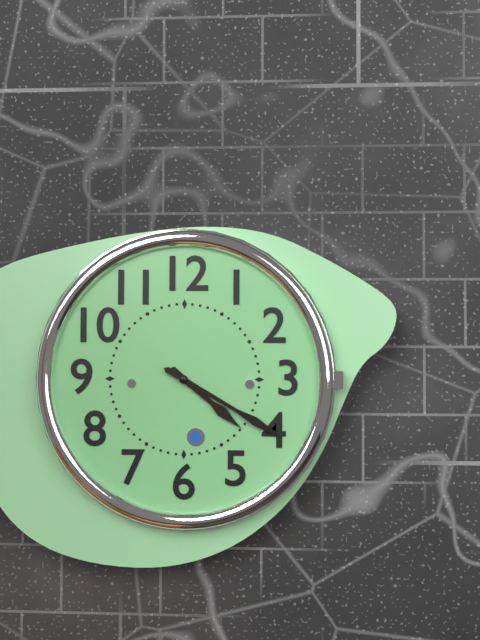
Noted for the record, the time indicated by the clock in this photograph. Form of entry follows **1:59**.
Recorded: **4:20**
